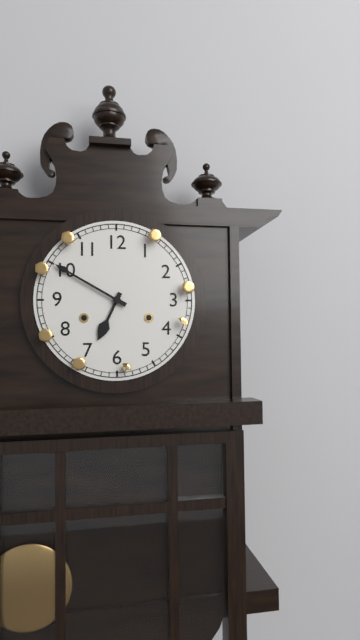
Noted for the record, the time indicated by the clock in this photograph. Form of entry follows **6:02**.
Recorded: **6:50**
